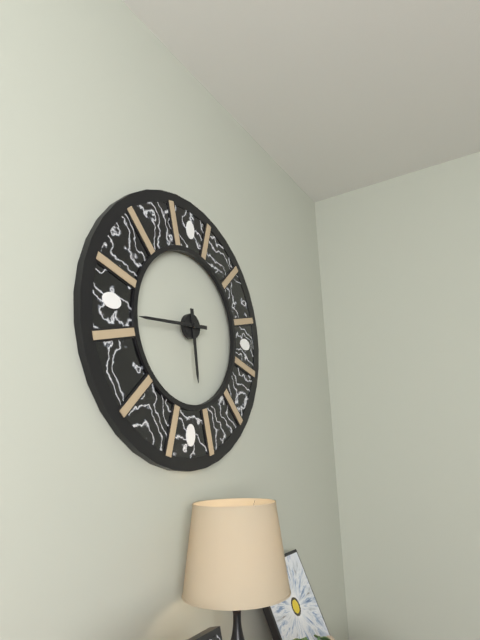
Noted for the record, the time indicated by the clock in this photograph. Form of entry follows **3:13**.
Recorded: **5:44**
